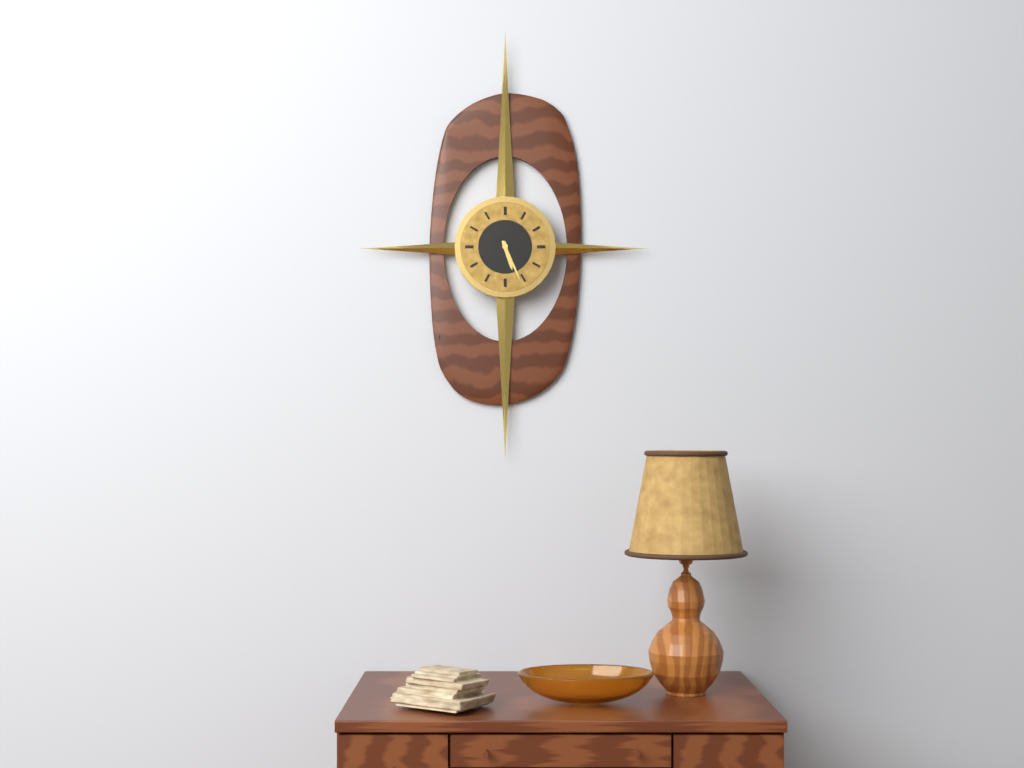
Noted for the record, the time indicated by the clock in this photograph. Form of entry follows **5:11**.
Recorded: **5:26**
